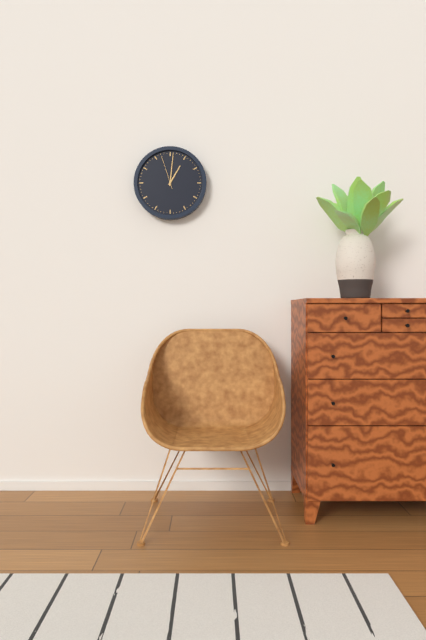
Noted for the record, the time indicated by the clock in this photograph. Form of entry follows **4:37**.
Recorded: **1:01**
